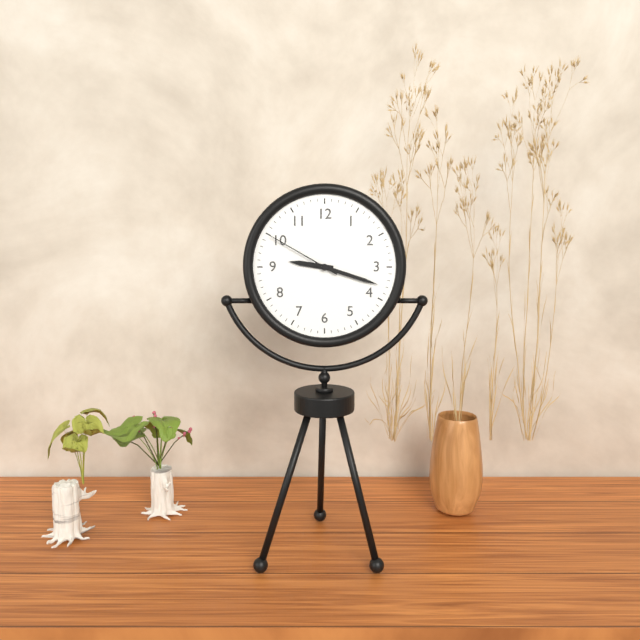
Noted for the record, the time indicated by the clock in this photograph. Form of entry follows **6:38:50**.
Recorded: **9:18:50**
